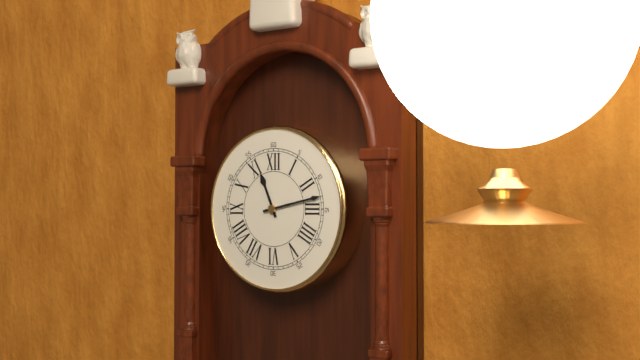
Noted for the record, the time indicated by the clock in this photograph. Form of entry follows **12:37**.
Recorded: **11:13**
